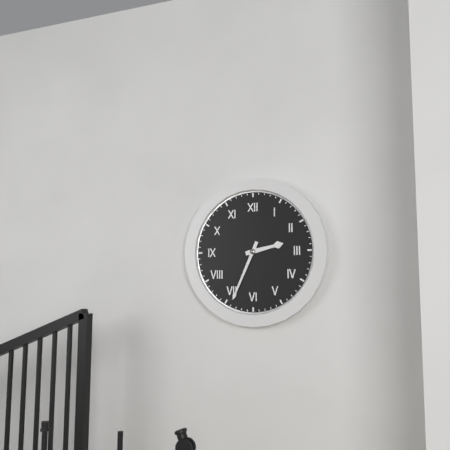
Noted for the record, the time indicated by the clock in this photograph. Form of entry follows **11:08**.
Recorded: **2:34**
